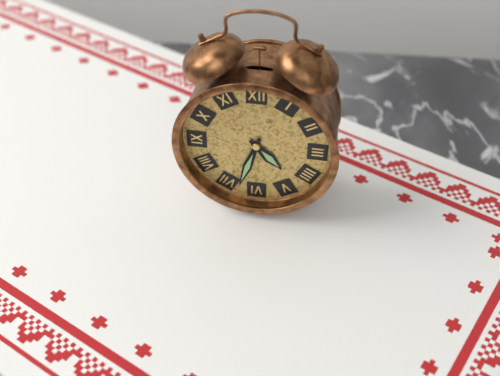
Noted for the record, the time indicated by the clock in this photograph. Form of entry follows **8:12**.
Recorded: **4:33**
